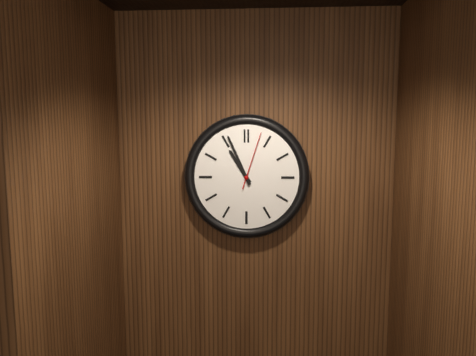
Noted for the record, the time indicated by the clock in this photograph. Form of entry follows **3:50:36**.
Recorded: **10:56:03**
